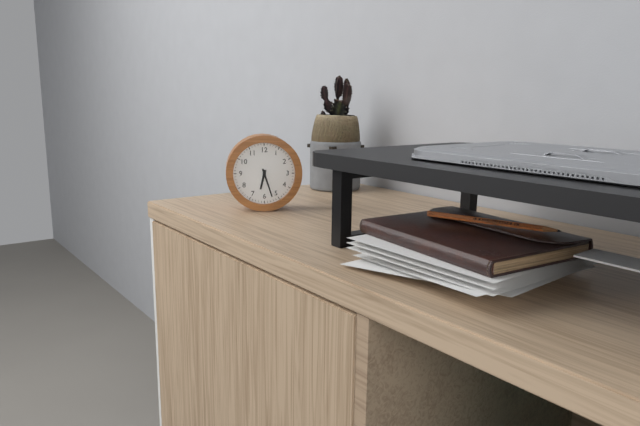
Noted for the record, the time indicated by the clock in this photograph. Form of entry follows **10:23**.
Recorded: **6:27**
